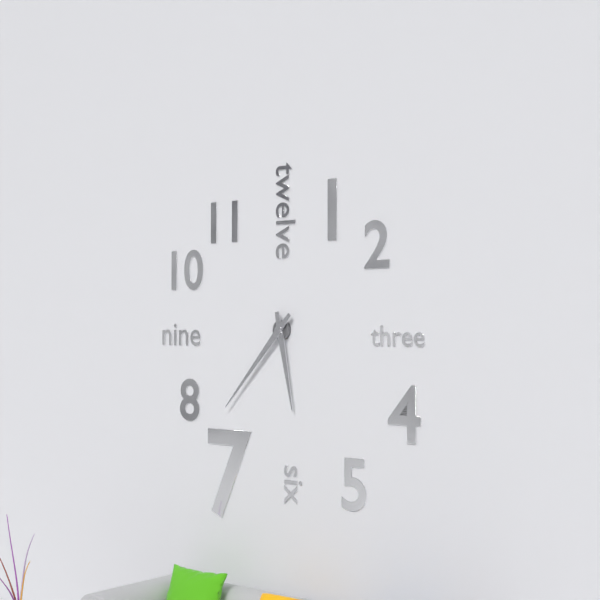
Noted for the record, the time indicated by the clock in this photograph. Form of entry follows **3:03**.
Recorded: **5:37**
